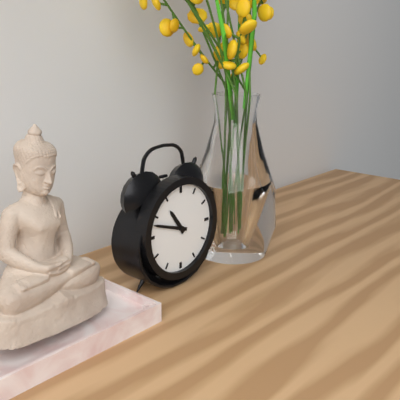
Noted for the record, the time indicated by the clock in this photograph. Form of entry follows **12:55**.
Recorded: **10:48**
